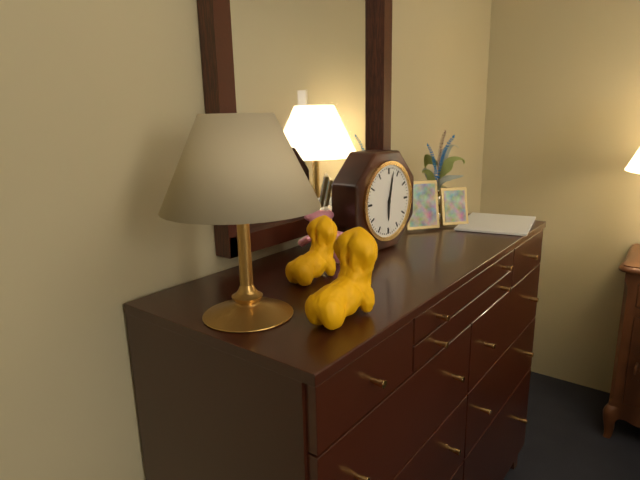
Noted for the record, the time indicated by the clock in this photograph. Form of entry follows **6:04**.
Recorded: **6:02**
